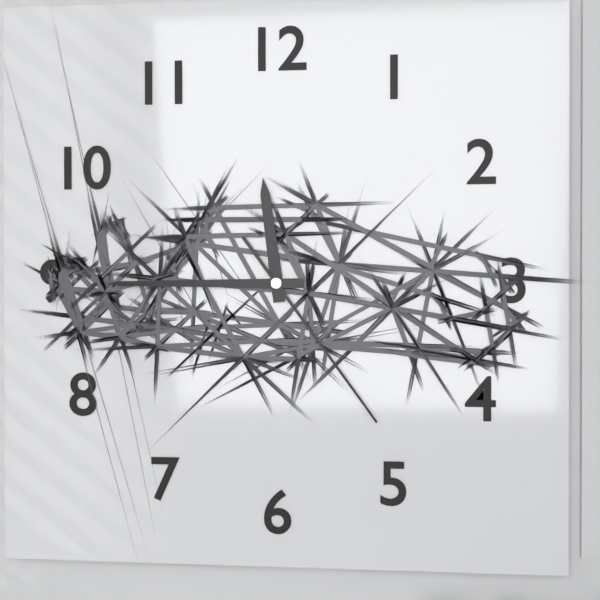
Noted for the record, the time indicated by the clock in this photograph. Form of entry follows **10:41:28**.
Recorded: **11:45:24**
